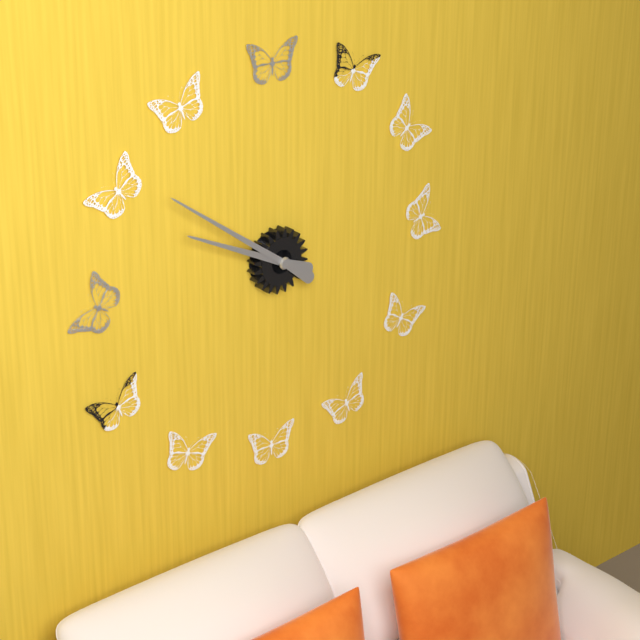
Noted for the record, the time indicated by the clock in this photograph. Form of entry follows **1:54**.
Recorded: **9:51**
